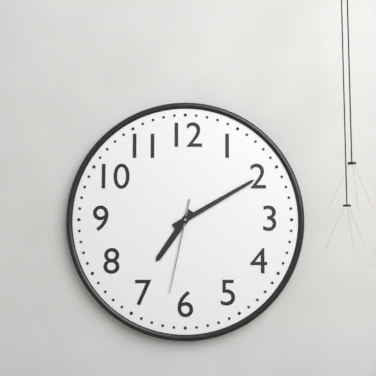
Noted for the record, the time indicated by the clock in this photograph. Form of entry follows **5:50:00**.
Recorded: **7:10:32**
